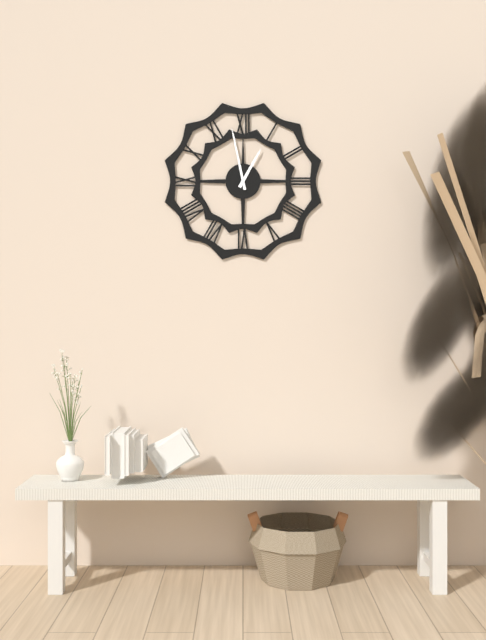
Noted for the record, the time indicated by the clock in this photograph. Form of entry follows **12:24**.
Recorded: **12:58**
